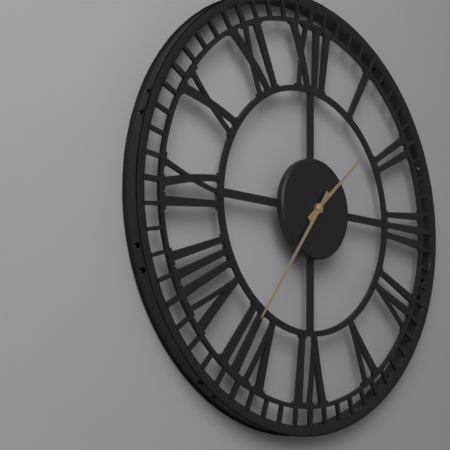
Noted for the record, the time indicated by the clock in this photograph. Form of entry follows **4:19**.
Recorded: **1:36**
